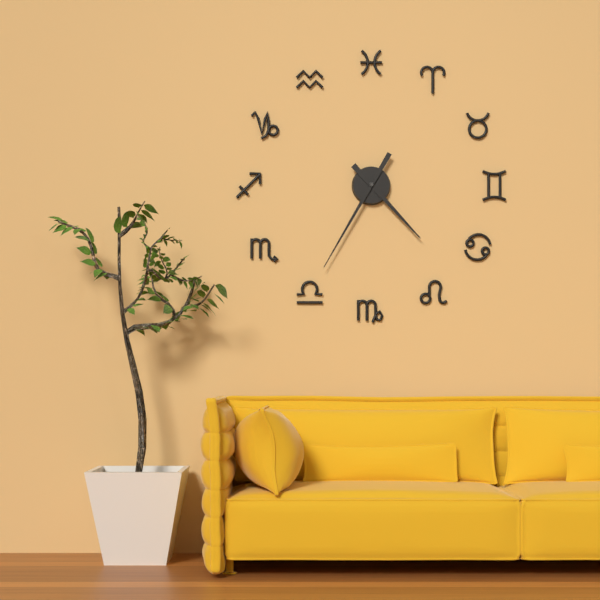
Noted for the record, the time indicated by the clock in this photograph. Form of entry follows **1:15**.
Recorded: **4:35**
